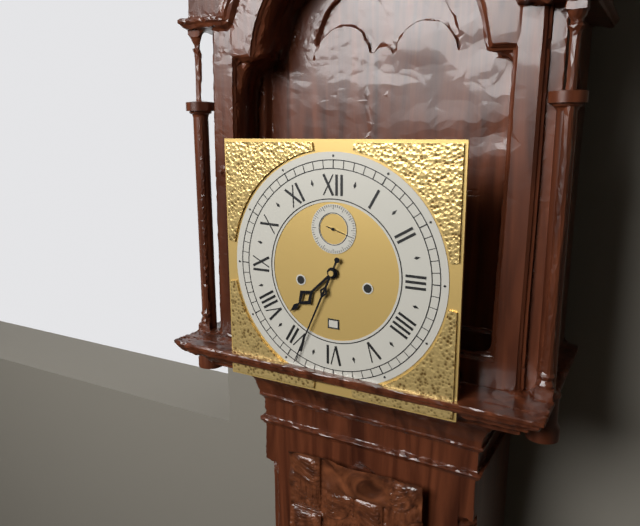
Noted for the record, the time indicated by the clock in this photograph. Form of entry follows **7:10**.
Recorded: **7:34**
